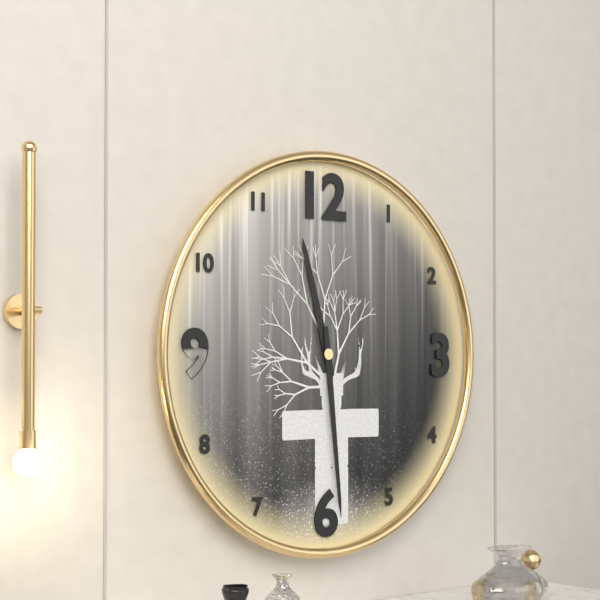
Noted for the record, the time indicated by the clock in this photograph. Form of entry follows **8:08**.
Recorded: **11:29**
